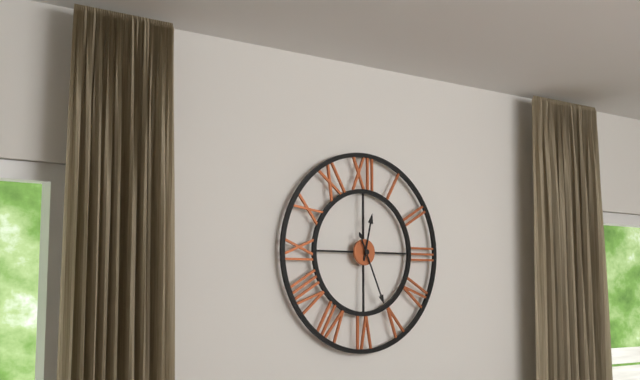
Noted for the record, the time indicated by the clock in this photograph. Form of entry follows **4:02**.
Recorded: **12:26**
